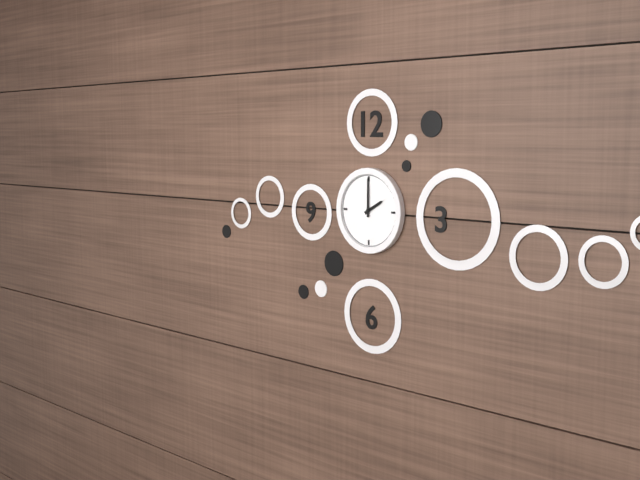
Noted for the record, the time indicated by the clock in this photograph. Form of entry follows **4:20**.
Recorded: **2:00**
